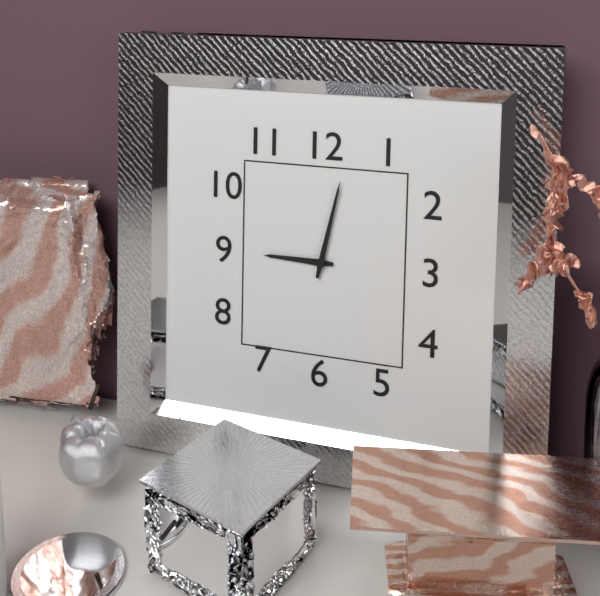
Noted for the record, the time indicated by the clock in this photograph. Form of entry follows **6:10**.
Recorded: **9:02**
